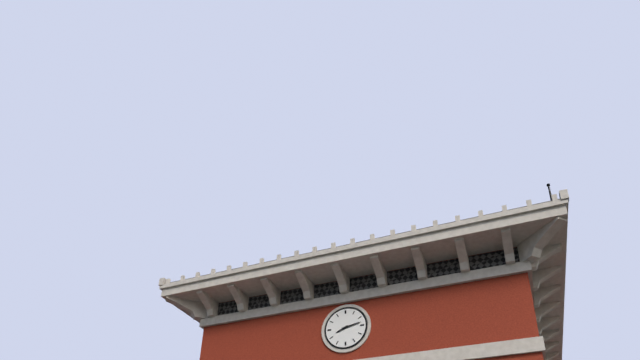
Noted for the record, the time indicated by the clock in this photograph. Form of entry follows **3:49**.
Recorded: **8:13**
